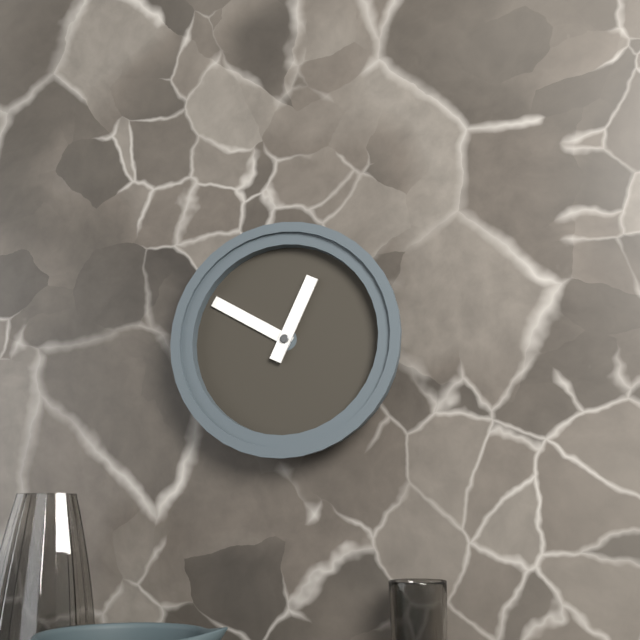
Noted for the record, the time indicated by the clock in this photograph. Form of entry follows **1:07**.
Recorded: **12:50**
